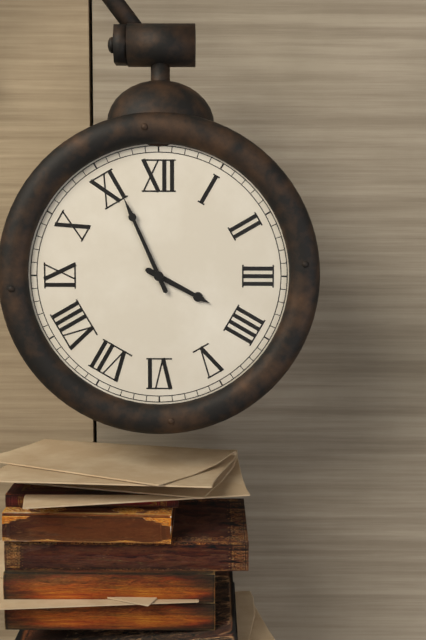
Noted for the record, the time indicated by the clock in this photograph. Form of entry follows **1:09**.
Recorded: **3:56**
